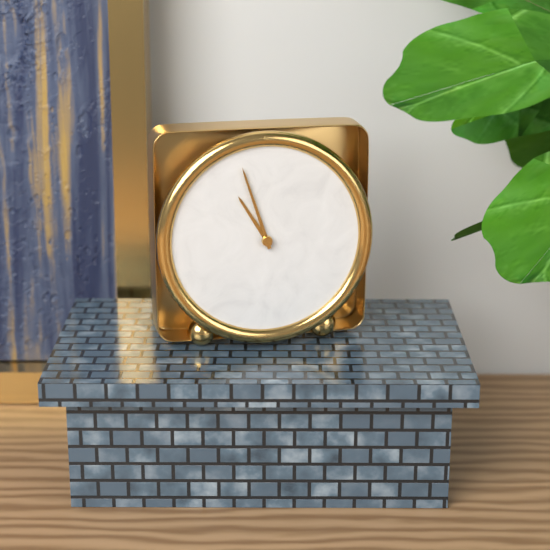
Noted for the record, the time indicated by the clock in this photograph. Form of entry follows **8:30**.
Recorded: **10:57**
